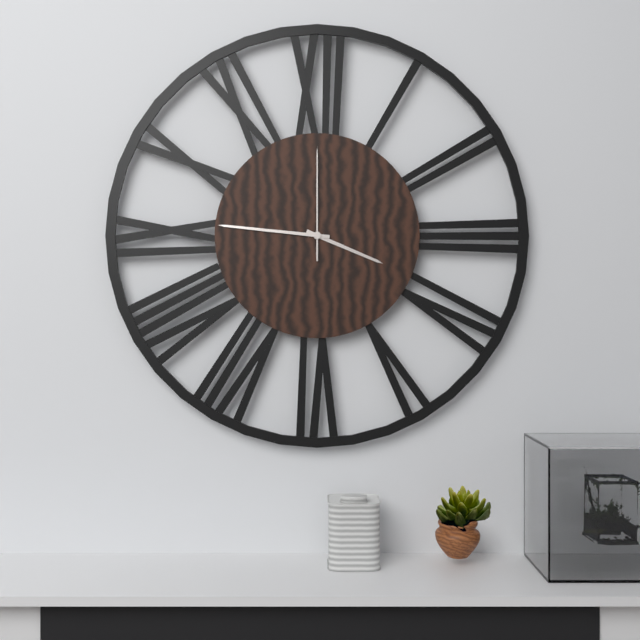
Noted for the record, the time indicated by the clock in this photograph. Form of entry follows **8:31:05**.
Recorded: **3:46:00**
